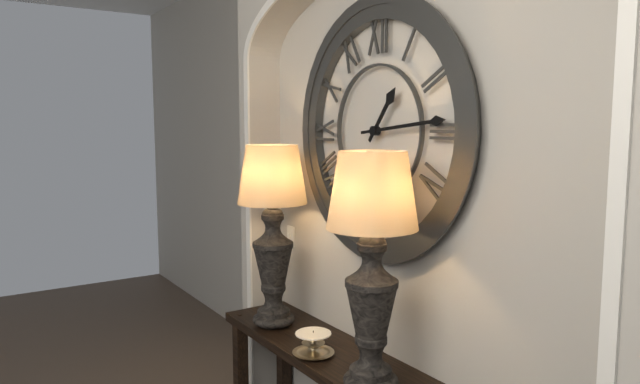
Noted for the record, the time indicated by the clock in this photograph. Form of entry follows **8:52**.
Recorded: **1:14**
